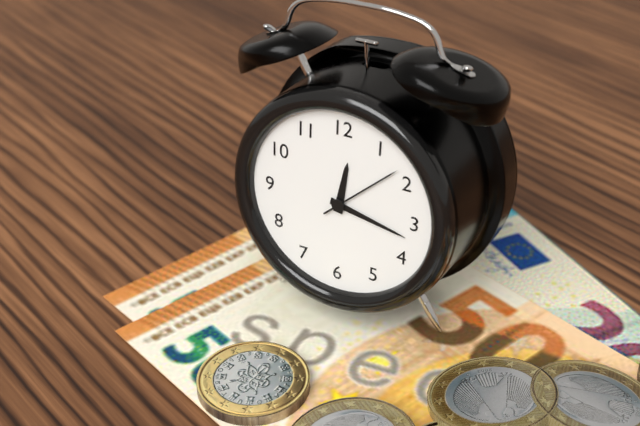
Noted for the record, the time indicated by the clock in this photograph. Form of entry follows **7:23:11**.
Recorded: **12:17:08**
